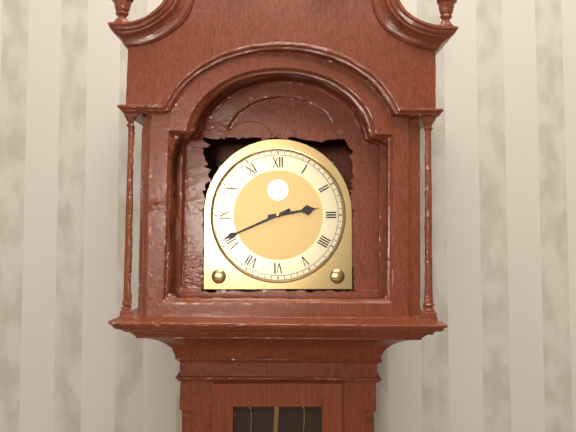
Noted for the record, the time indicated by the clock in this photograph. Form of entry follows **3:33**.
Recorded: **2:41**
